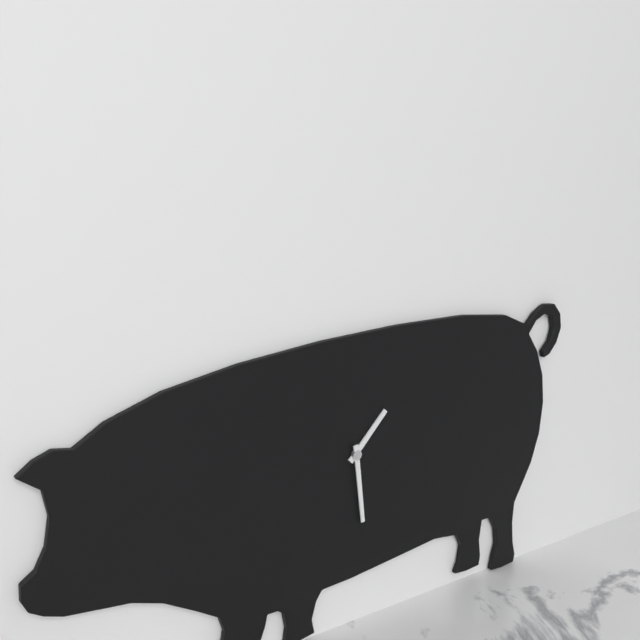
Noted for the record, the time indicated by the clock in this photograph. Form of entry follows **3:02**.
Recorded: **1:29**
